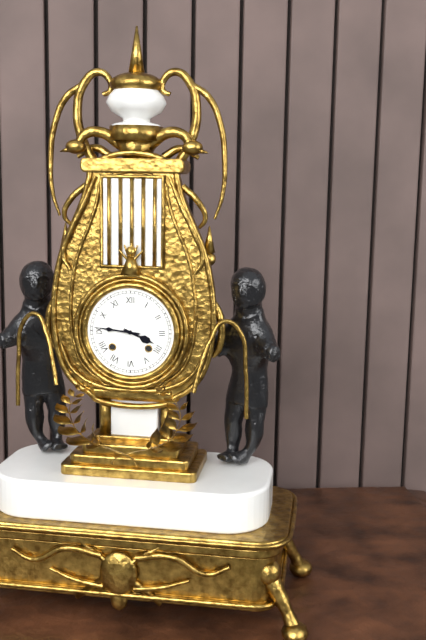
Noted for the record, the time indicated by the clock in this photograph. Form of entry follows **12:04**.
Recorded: **3:46**
